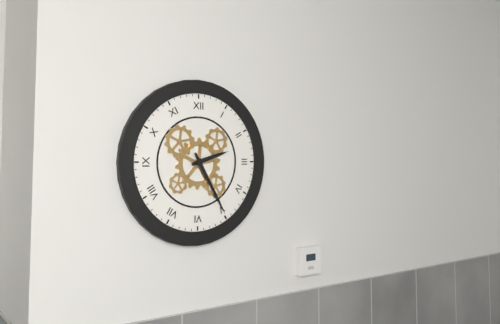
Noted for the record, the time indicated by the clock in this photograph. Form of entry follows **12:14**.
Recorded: **2:25**
